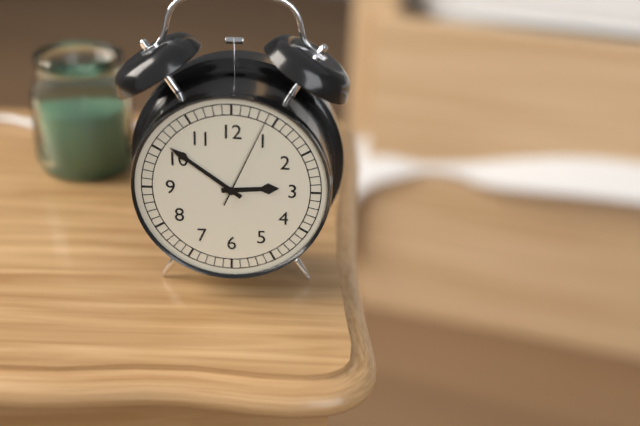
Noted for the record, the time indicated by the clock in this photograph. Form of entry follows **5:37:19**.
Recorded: **2:51:04**
